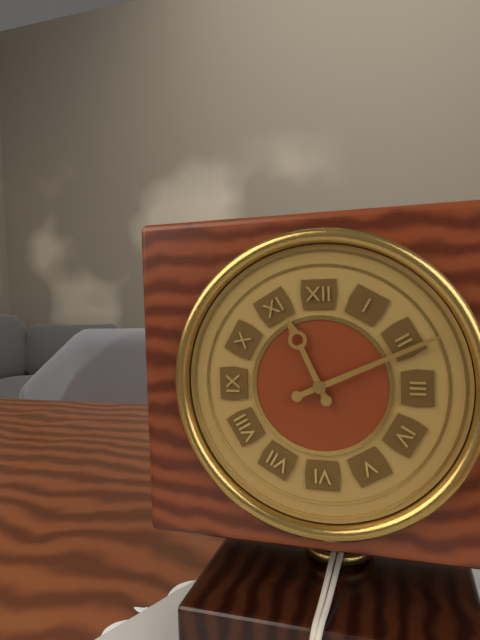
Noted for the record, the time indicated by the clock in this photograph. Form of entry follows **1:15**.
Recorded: **11:11**
